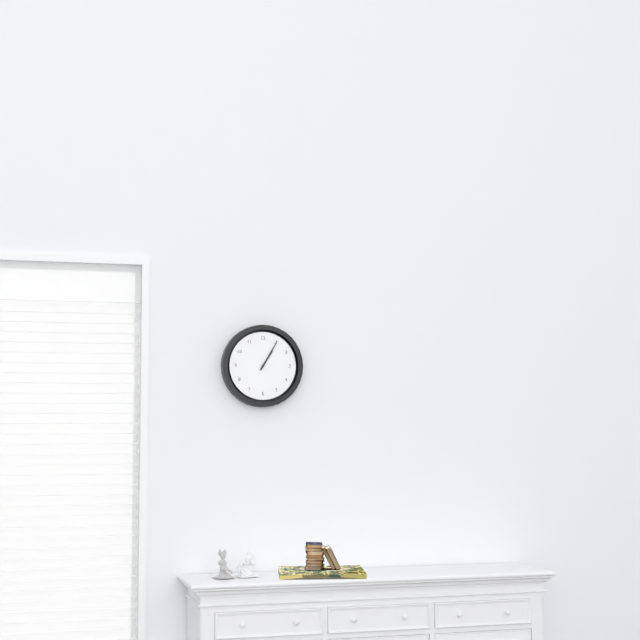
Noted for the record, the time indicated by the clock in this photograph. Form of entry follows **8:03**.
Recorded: **1:05**
